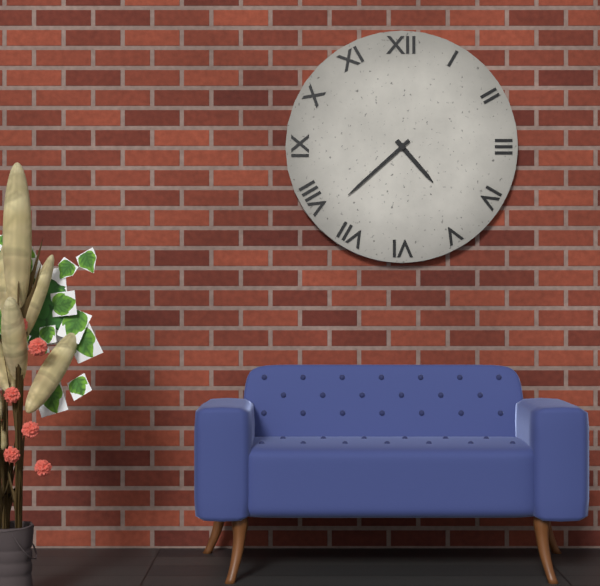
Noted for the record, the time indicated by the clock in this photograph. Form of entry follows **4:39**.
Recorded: **4:38**
